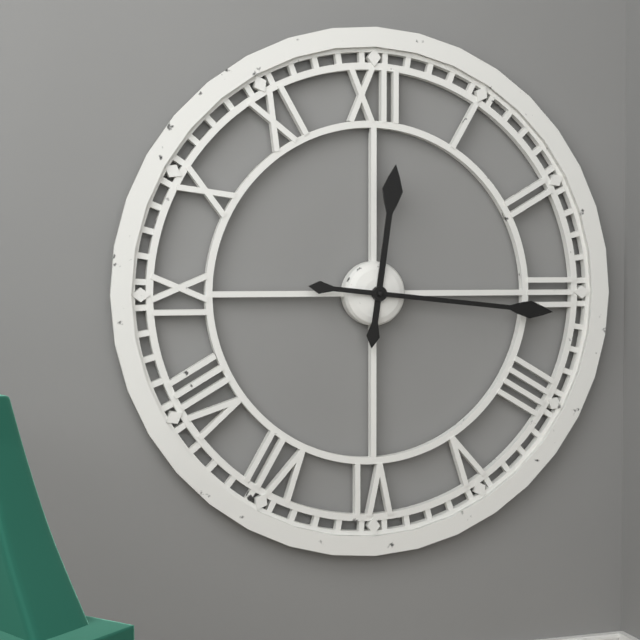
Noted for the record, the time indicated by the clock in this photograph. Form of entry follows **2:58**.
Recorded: **12:16**
